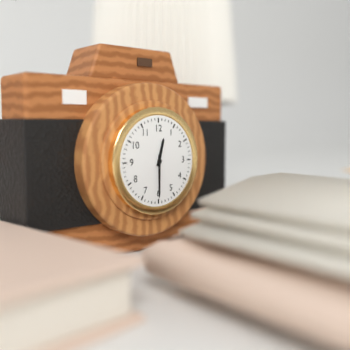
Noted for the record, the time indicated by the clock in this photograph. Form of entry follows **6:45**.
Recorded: **12:30**
